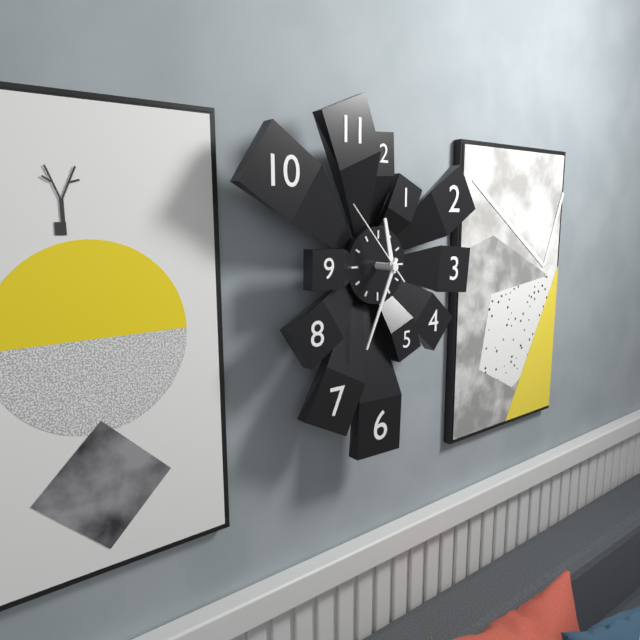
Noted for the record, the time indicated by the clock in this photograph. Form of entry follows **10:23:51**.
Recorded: **11:34:53**
